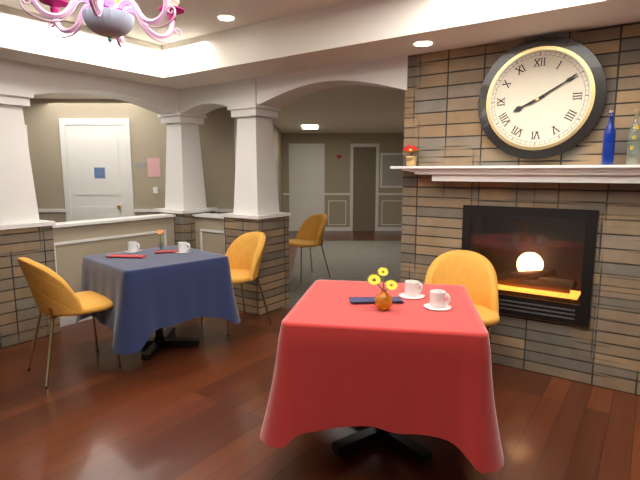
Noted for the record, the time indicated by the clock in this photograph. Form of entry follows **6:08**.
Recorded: **8:10**
